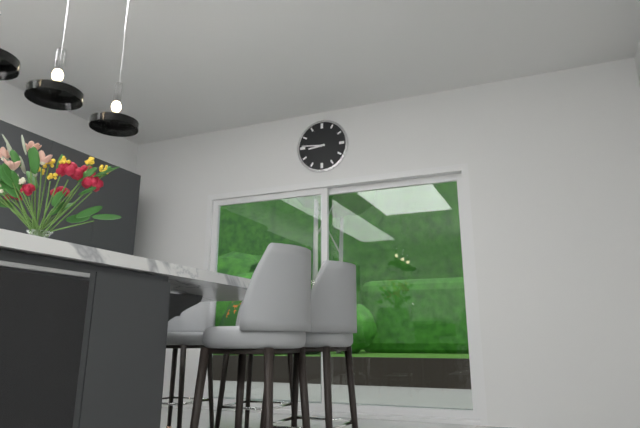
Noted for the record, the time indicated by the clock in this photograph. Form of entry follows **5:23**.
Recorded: **8:46**
